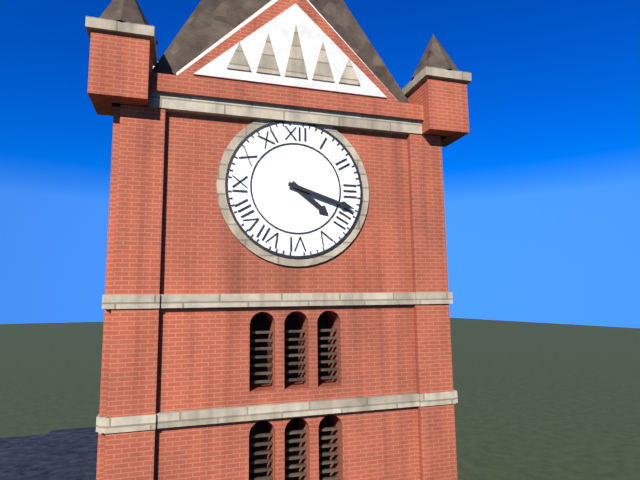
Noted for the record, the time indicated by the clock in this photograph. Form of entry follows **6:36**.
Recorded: **4:18**
